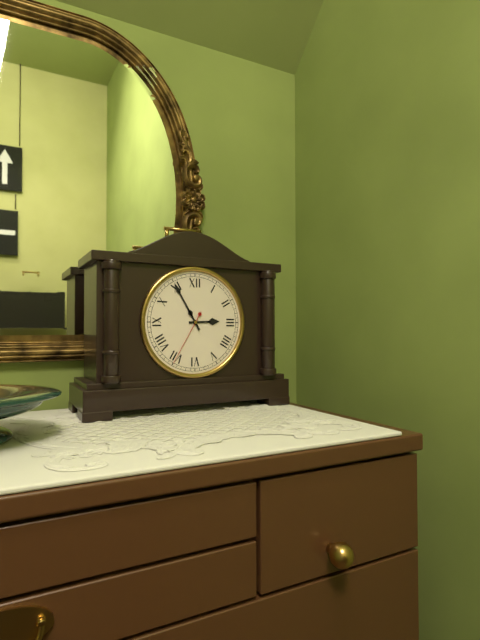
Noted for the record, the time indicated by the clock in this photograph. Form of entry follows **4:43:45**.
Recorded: **2:55:35**
